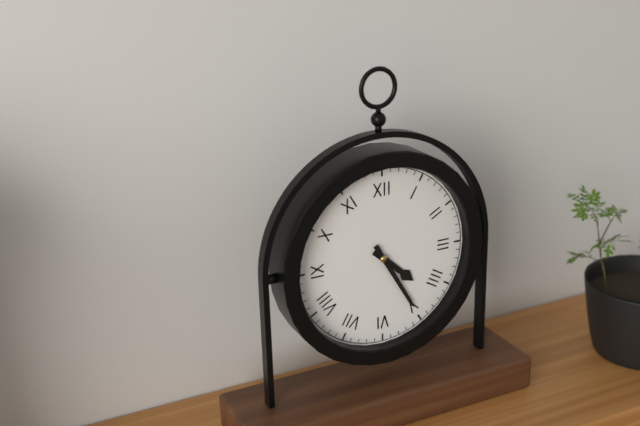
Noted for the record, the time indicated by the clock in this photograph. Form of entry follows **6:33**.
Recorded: **4:25**
